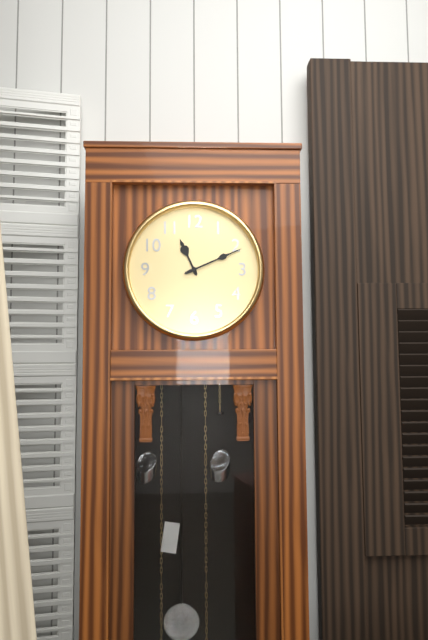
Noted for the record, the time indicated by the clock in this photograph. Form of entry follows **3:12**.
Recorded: **11:11**
